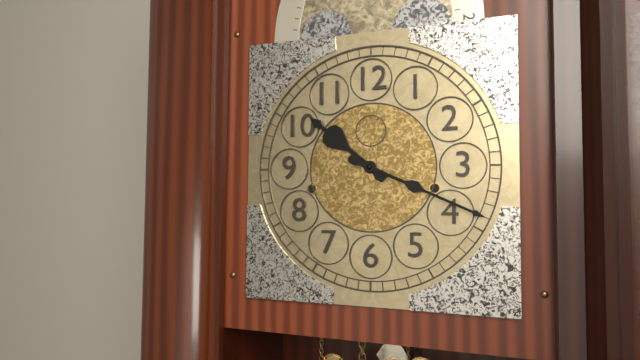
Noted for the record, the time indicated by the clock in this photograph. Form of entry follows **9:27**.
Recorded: **10:19**
